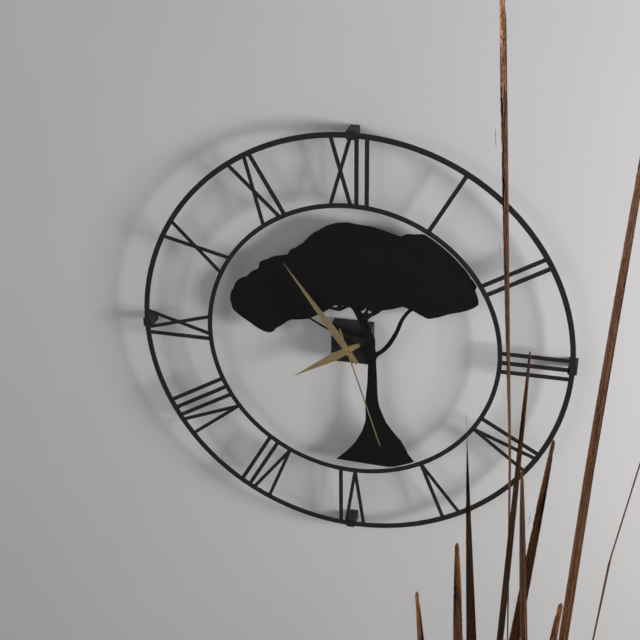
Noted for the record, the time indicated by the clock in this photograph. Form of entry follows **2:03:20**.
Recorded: **7:54:27**
